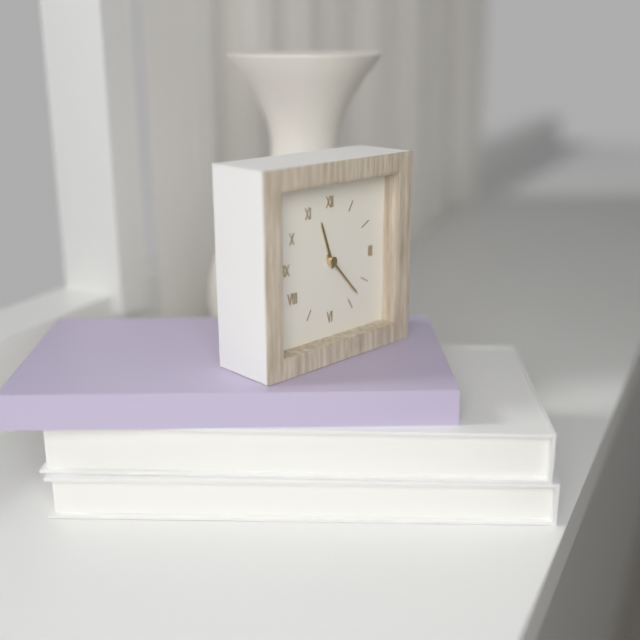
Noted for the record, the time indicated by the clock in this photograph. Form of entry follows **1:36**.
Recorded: **11:23**
